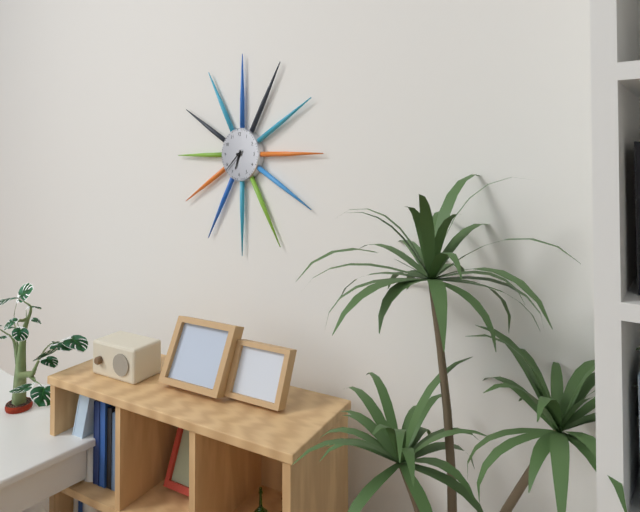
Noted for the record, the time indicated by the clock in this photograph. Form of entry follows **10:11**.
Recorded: **6:38**
